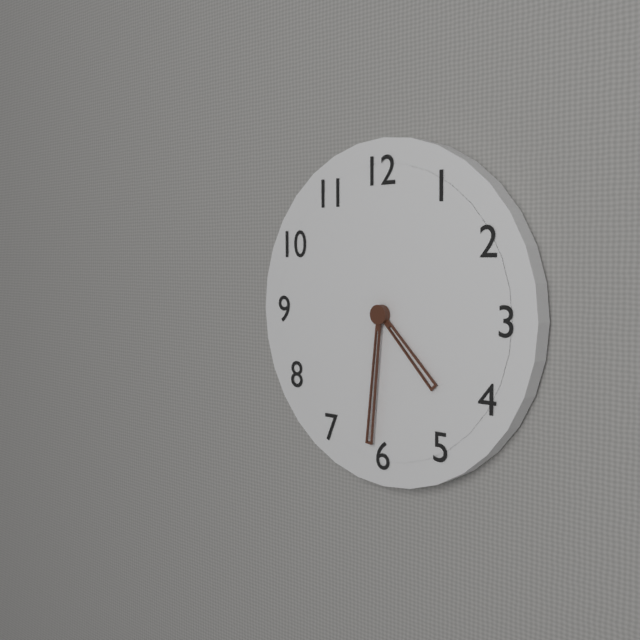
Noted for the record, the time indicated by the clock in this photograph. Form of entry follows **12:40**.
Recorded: **4:31**
